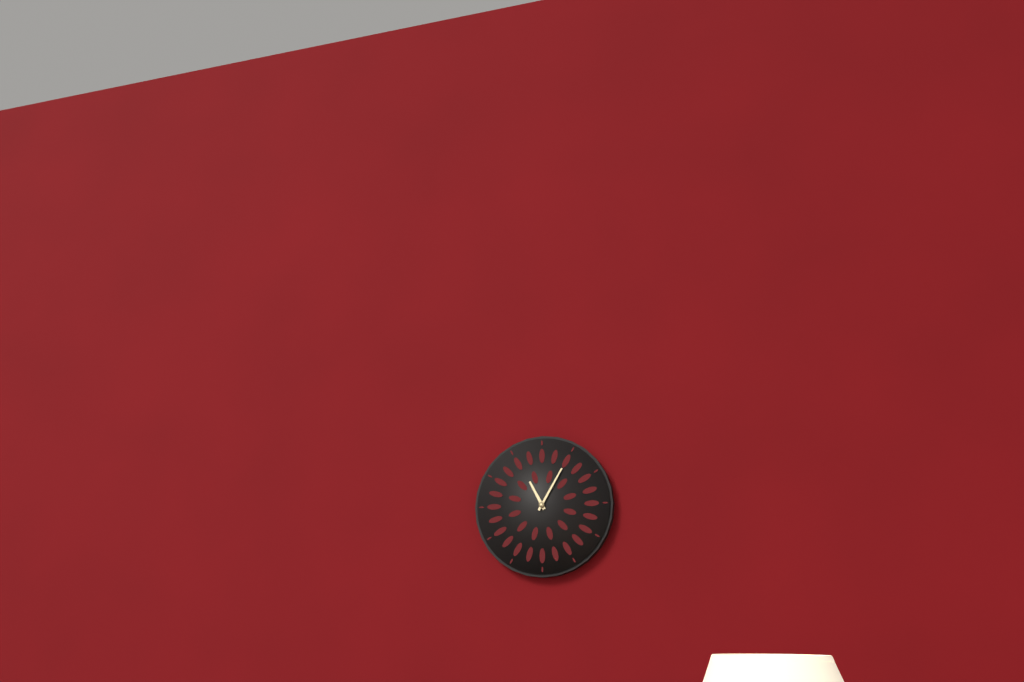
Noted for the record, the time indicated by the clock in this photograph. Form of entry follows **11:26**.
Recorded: **11:05**
